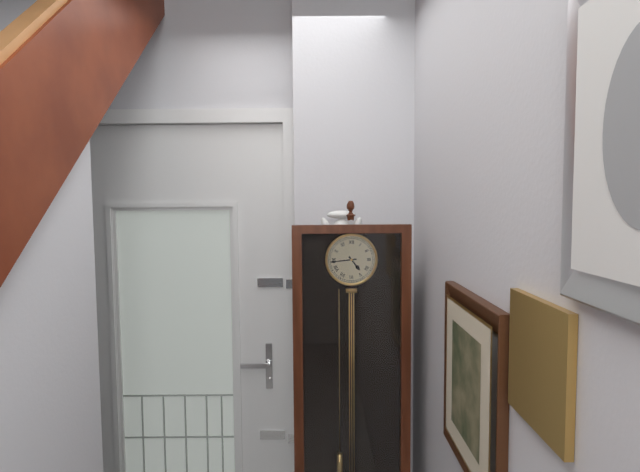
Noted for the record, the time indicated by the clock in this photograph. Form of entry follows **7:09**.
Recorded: **4:44**
